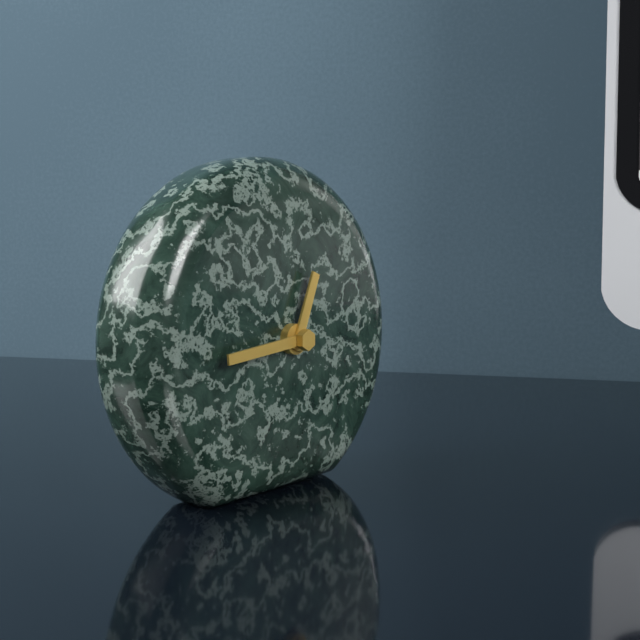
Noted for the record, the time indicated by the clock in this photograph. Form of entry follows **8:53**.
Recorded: **12:44**
